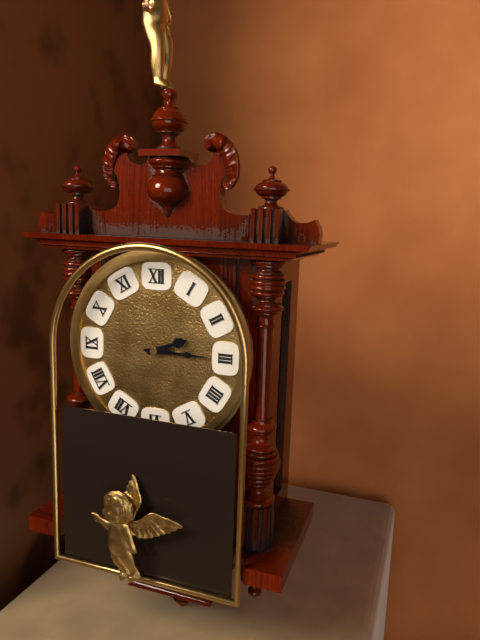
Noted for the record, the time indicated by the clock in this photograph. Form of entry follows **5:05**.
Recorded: **2:15**
